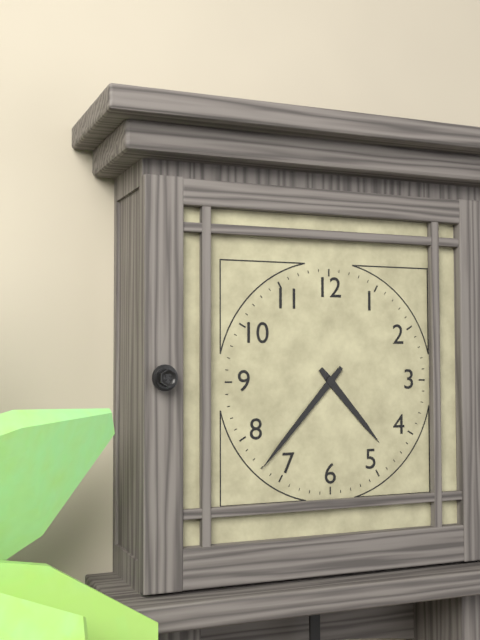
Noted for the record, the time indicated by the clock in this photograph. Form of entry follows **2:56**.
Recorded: **4:37**
